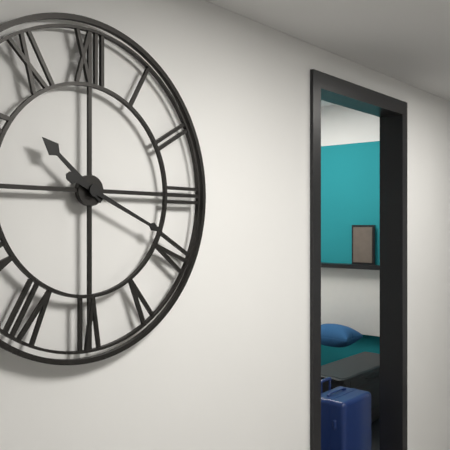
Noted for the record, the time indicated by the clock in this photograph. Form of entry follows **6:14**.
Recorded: **10:19**
